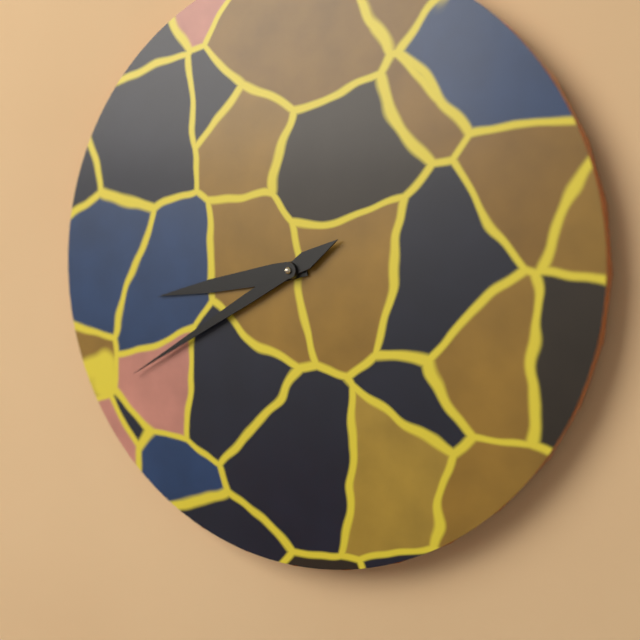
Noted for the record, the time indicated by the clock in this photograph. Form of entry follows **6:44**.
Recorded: **8:40**
